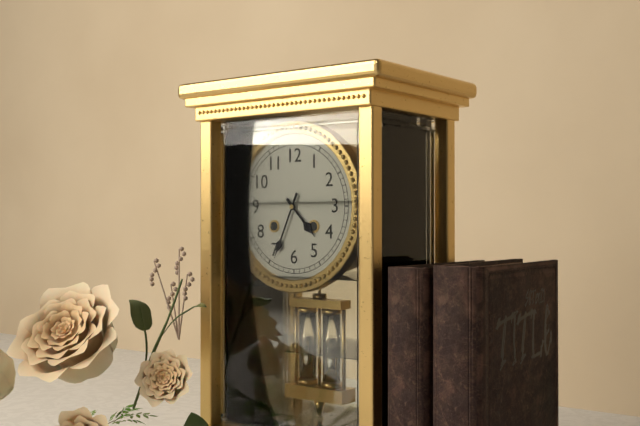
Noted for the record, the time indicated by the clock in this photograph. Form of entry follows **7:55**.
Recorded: **4:34**
